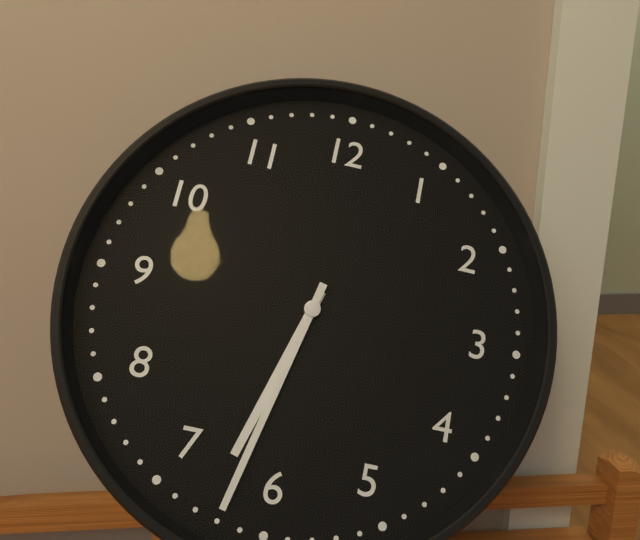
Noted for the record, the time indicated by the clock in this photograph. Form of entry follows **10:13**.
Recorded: **6:32**
